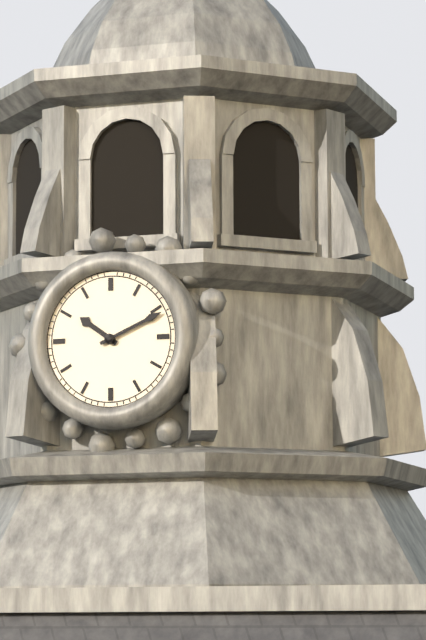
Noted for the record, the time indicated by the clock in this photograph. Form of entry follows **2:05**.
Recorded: **10:11**
